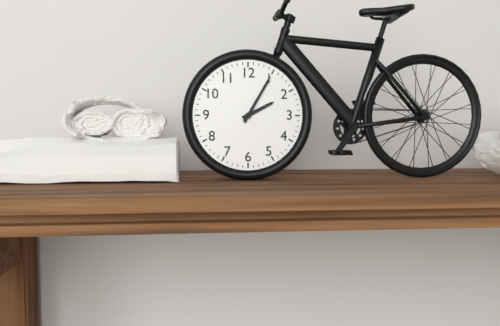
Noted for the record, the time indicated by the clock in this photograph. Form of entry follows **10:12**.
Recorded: **2:05**
